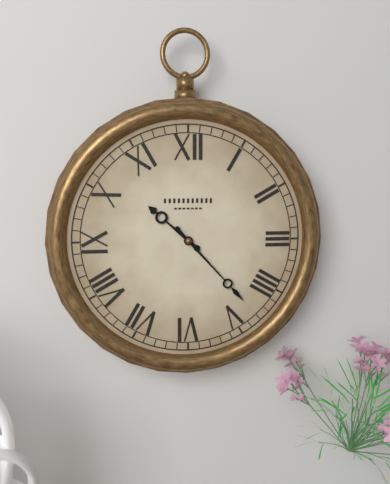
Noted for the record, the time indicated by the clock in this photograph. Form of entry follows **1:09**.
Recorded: **10:23**
